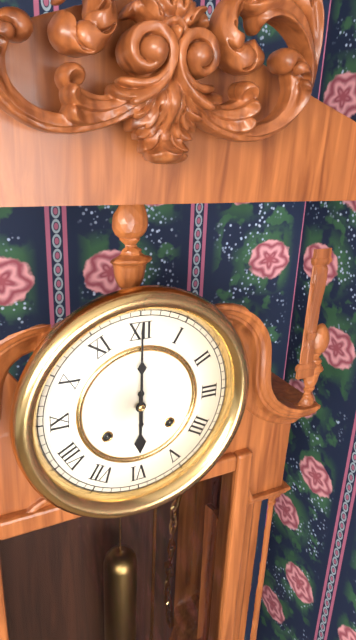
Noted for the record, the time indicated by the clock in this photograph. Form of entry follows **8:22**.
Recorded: **6:00**
